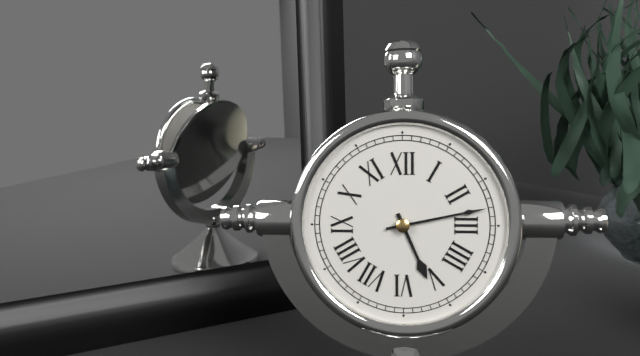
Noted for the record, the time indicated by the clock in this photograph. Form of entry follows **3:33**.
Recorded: **5:13**
